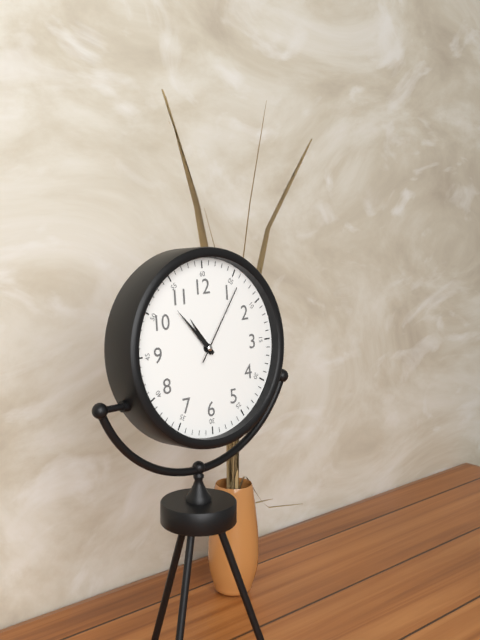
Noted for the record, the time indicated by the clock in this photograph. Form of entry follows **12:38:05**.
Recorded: **10:53:06**
